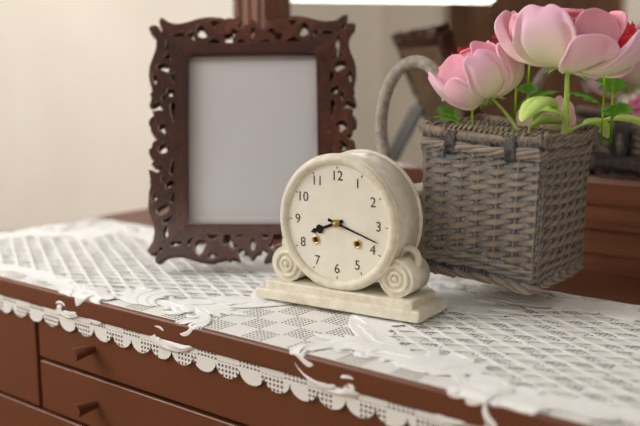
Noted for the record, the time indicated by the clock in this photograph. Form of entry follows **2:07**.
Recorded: **8:18**
